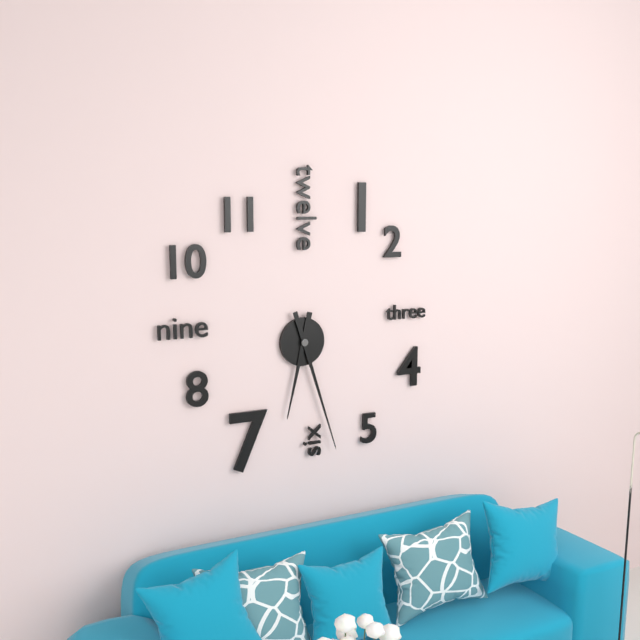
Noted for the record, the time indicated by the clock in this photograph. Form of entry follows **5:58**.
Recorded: **6:27**
